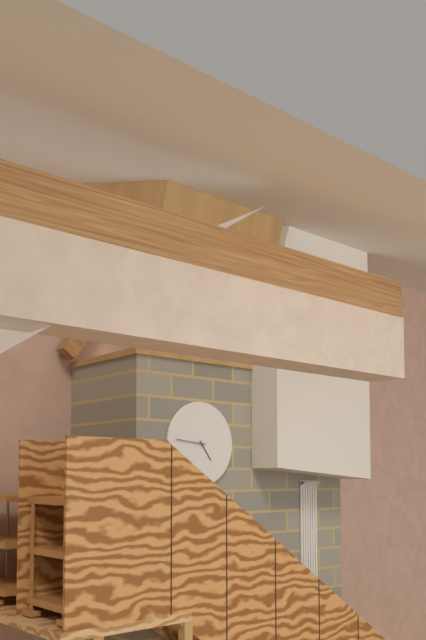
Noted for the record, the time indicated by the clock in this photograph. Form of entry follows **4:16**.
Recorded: **4:46**
